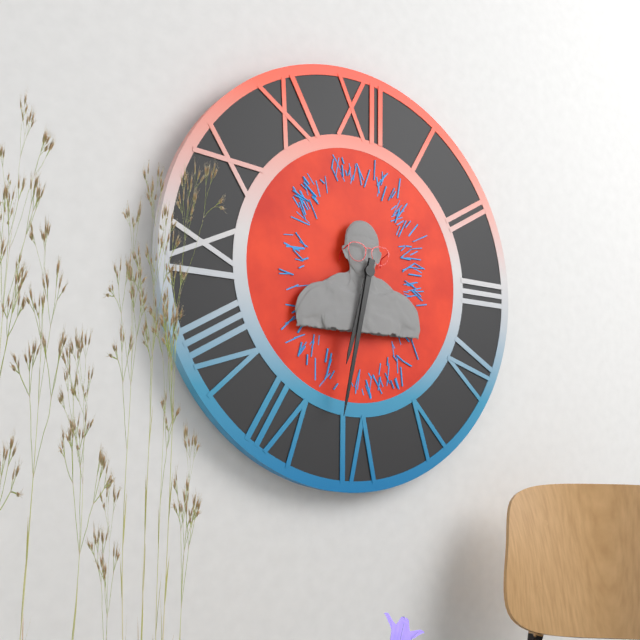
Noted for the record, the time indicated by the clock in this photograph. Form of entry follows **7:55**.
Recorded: **6:32**
